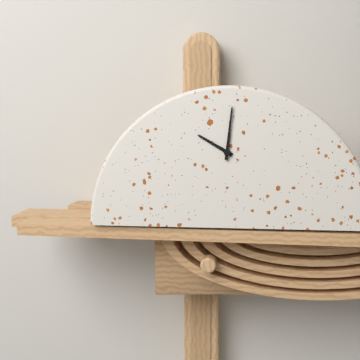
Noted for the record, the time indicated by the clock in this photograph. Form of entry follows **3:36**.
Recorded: **10:01**
